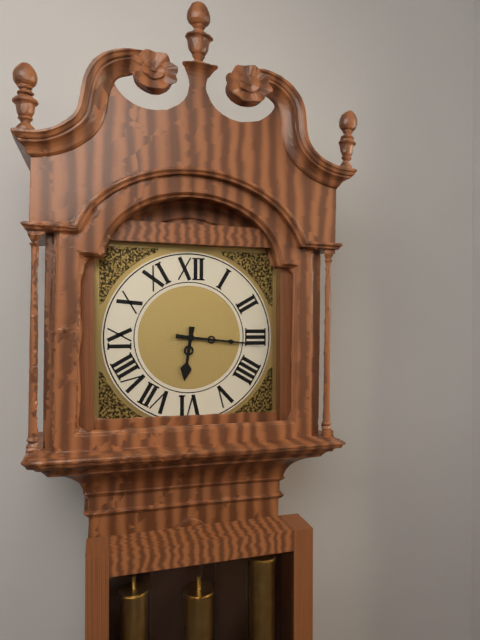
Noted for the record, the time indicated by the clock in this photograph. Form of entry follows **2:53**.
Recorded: **6:16**
